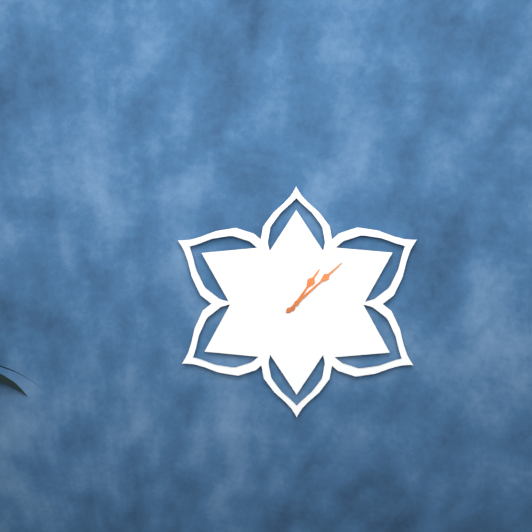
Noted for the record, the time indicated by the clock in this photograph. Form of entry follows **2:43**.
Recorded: **1:08**
